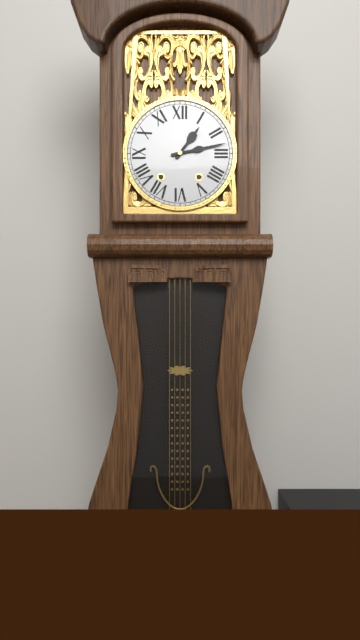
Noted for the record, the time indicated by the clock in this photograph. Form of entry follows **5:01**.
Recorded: **1:13**
